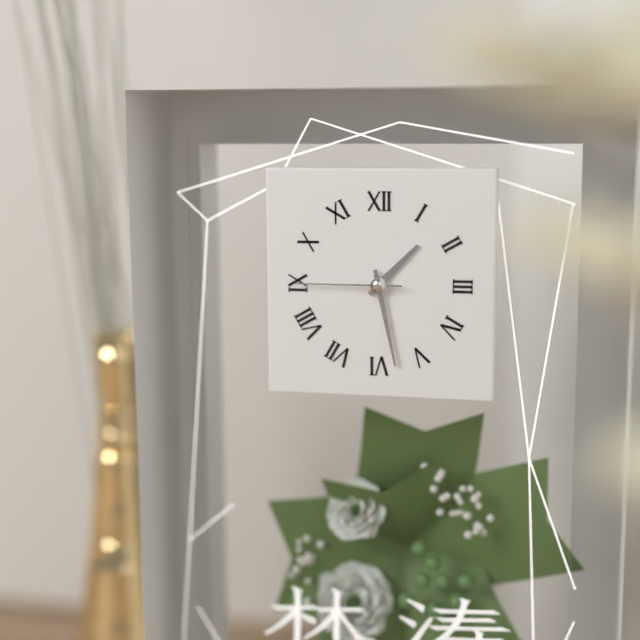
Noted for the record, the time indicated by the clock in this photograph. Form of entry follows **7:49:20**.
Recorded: **1:28:45**
